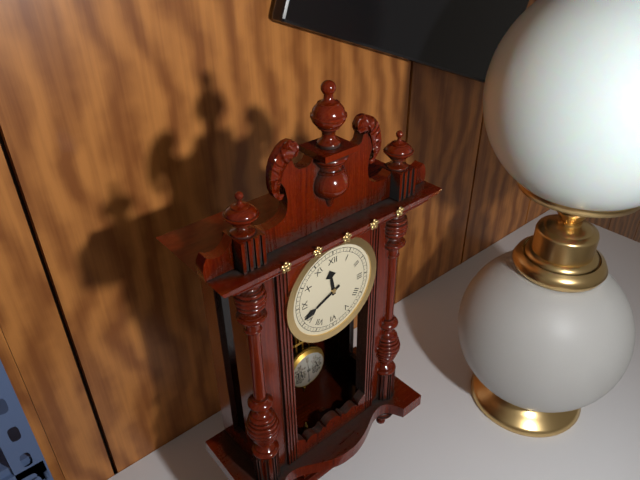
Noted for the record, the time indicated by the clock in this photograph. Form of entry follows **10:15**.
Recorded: **11:41**
